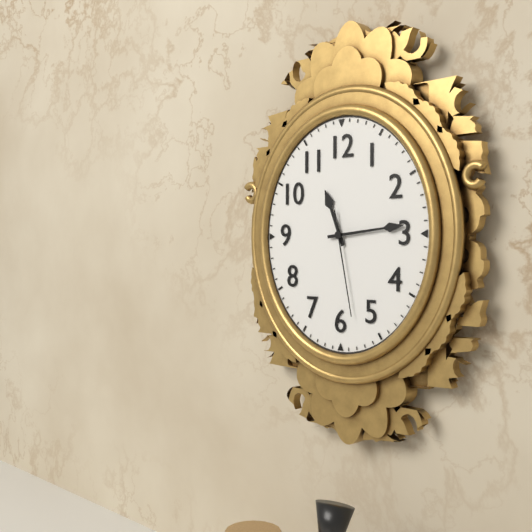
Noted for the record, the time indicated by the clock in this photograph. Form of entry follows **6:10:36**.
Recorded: **11:14:28**
